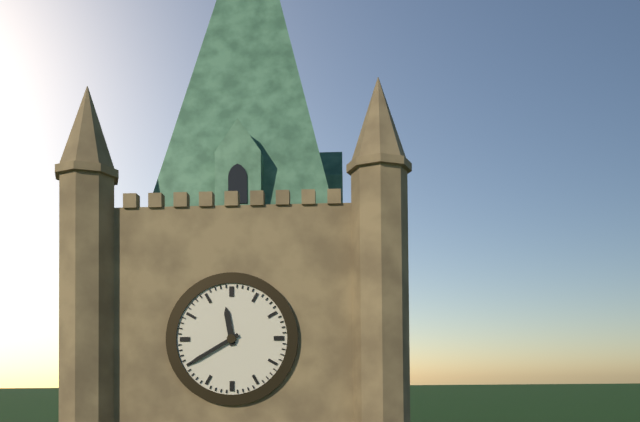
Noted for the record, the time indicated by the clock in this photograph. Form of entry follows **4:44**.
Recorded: **11:40**
